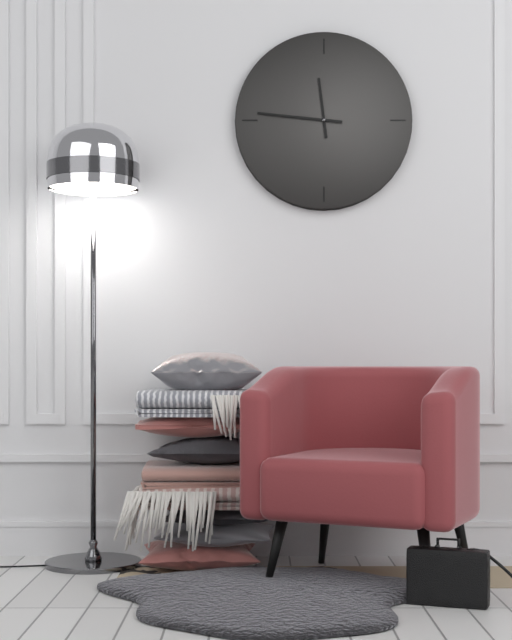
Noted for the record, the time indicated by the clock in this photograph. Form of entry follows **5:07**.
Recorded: **11:46**
